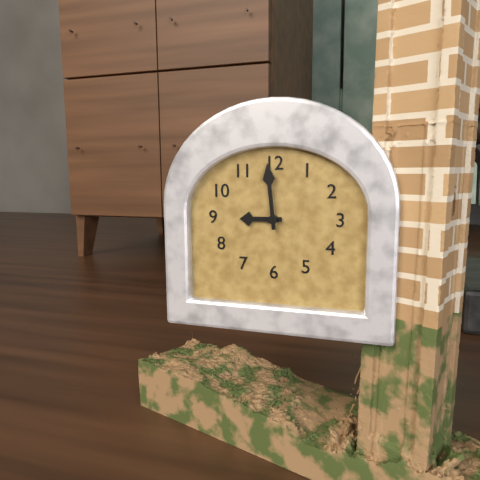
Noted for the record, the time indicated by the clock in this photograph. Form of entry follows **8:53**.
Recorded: **8:59**
